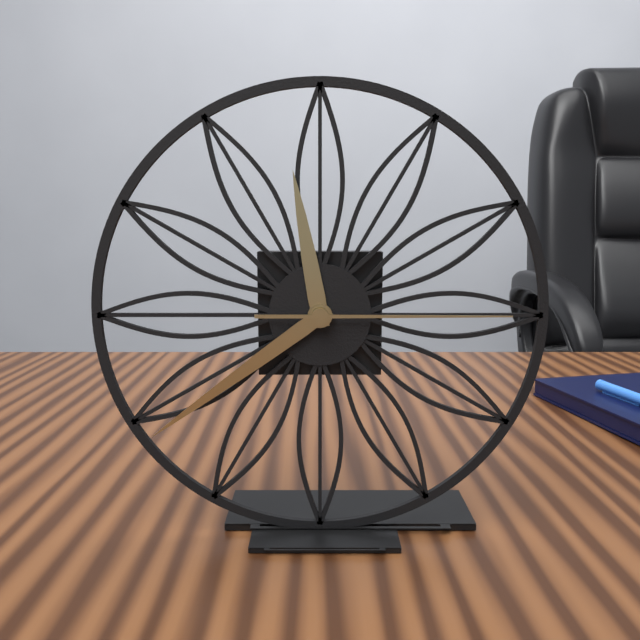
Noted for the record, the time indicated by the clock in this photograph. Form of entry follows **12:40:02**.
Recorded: **11:39:15**
